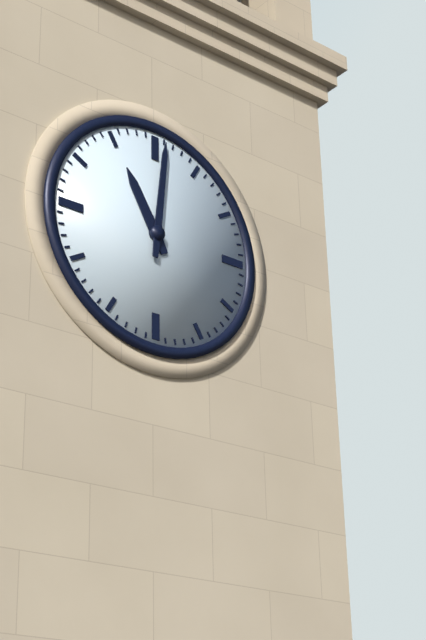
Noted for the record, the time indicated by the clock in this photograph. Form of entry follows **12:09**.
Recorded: **11:01**
